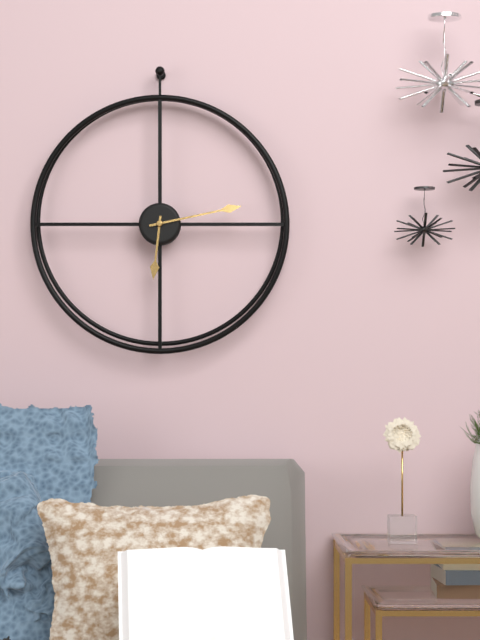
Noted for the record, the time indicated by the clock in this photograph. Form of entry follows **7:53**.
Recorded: **6:13**
